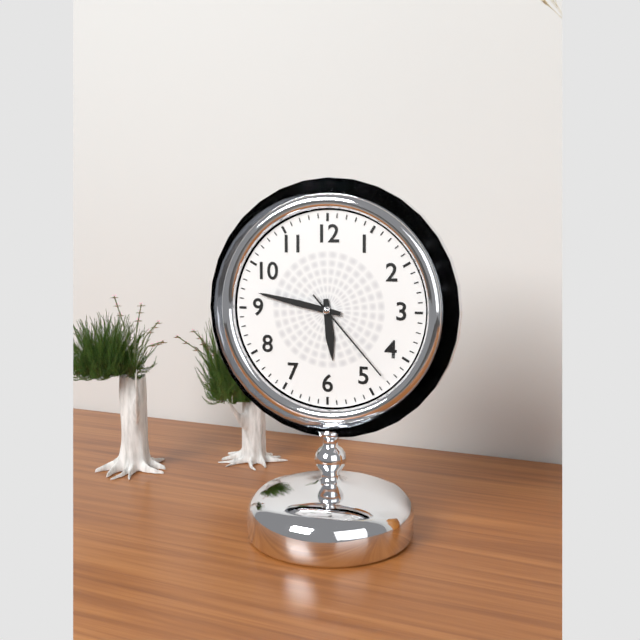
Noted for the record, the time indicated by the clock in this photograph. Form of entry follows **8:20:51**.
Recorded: **5:47:23**
